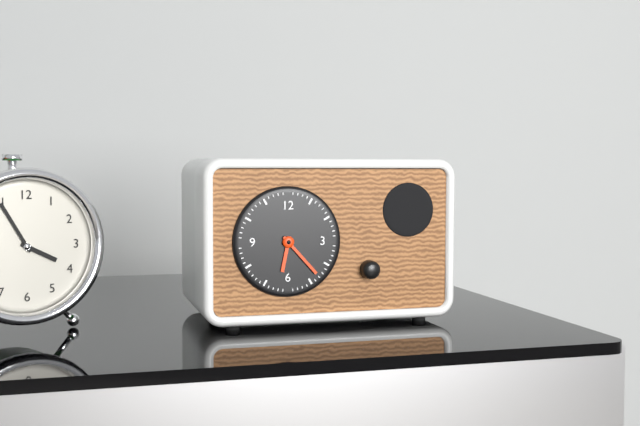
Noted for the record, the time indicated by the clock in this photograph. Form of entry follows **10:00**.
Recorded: **6:23**
